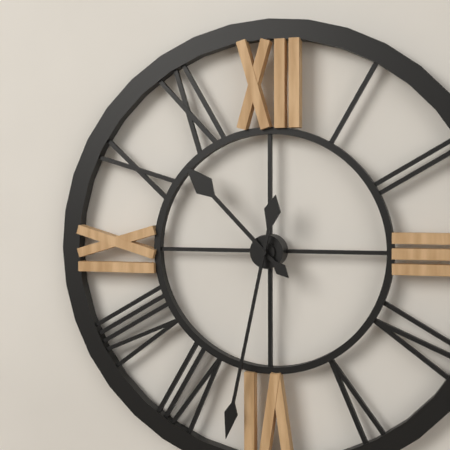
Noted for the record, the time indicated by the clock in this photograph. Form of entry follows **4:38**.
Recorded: **10:32**
